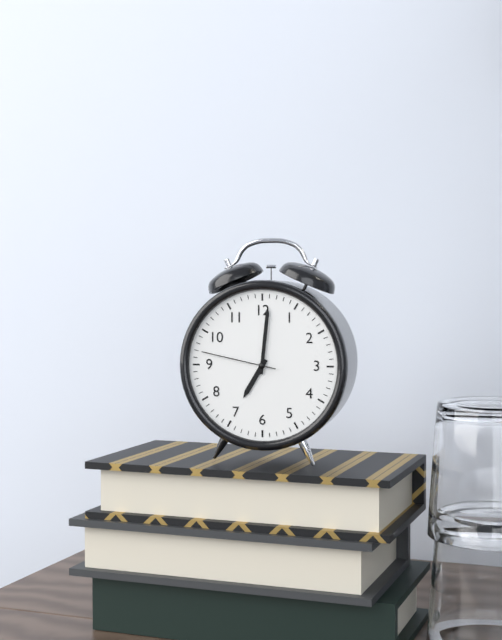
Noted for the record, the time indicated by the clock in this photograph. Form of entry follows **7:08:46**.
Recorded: **7:01:47**
